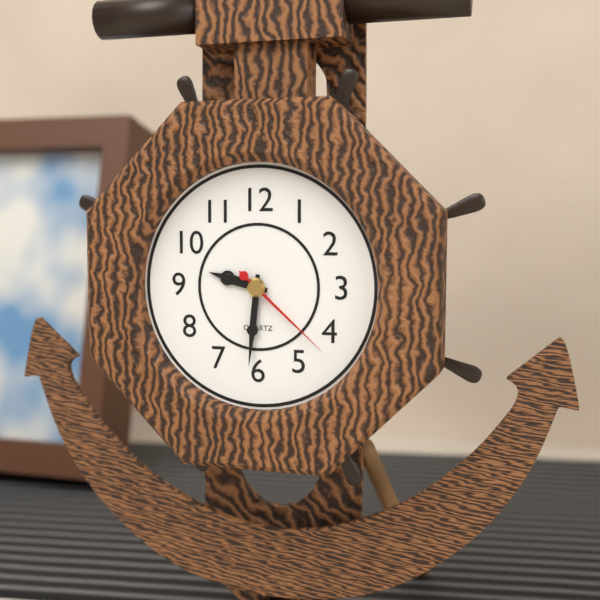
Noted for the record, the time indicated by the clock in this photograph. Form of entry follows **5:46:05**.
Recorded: **9:31:22**
